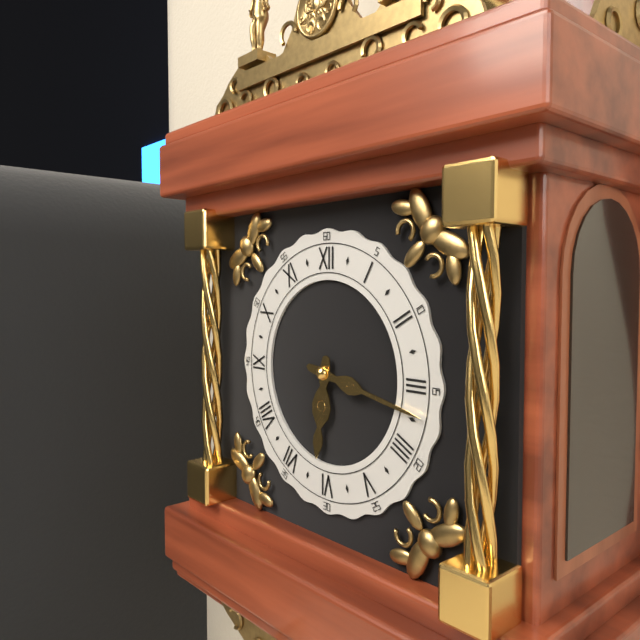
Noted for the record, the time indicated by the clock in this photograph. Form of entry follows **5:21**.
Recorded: **6:17**
